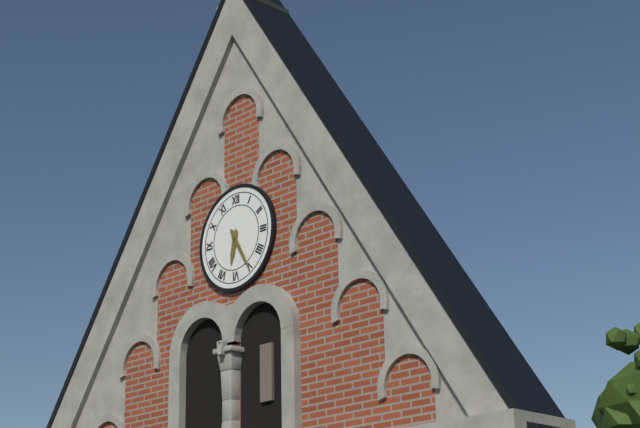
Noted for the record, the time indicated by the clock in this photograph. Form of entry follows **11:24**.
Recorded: **6:25**
